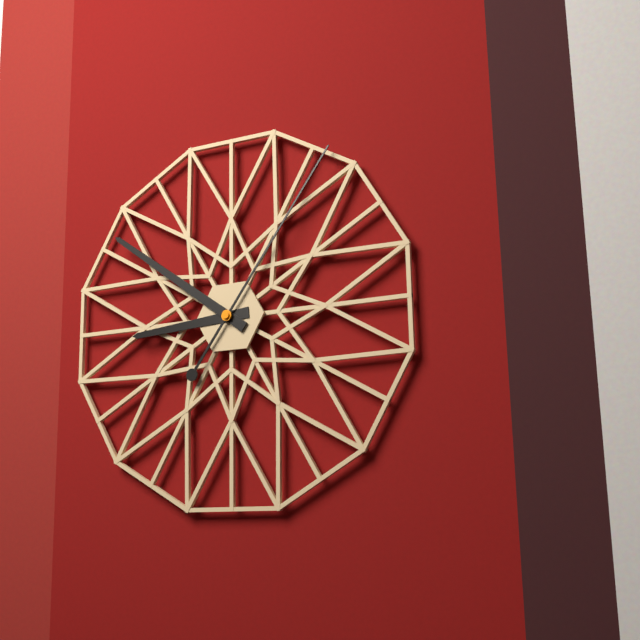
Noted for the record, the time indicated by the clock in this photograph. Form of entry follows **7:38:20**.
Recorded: **8:51:06**
